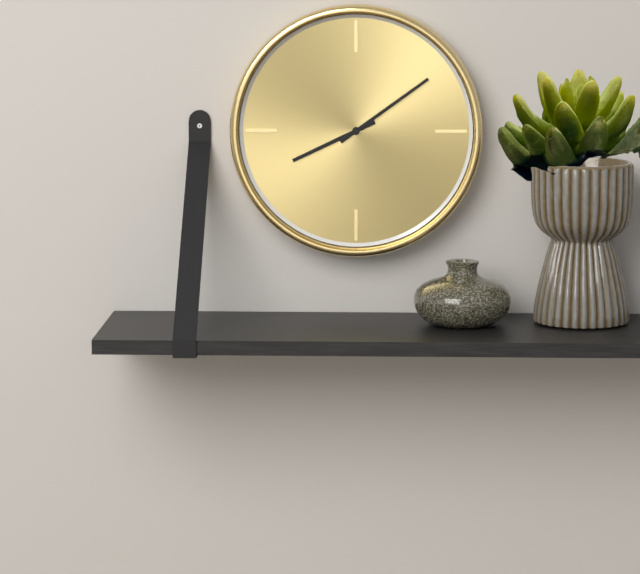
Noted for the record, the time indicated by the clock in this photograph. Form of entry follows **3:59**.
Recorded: **8:09**
